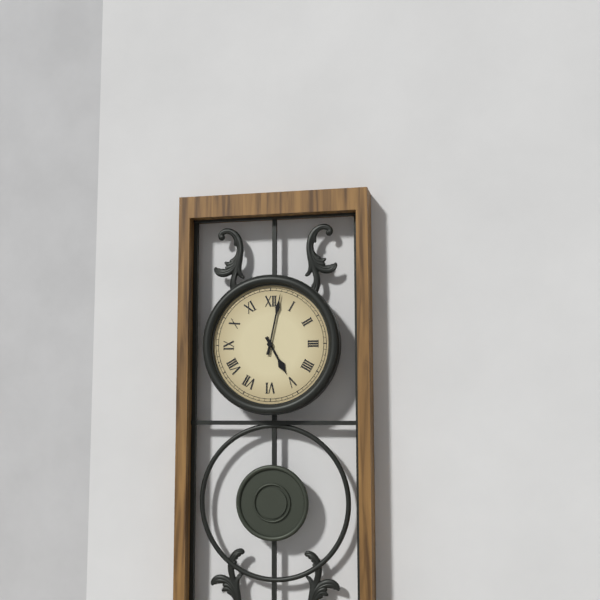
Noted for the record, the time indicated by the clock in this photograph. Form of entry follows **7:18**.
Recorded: **5:02**
